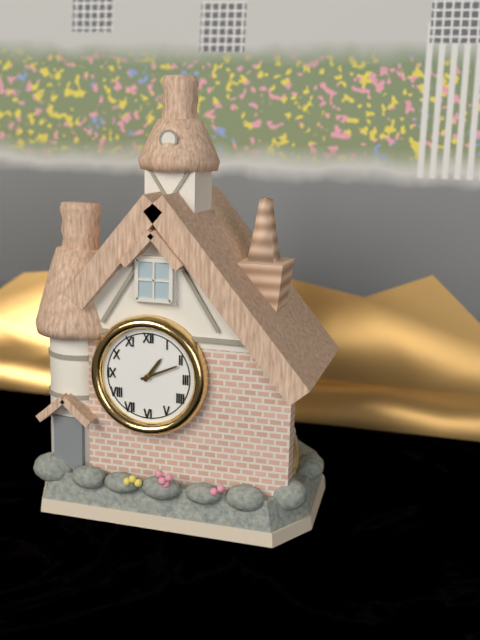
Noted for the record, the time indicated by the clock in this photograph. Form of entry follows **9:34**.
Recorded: **1:11**
